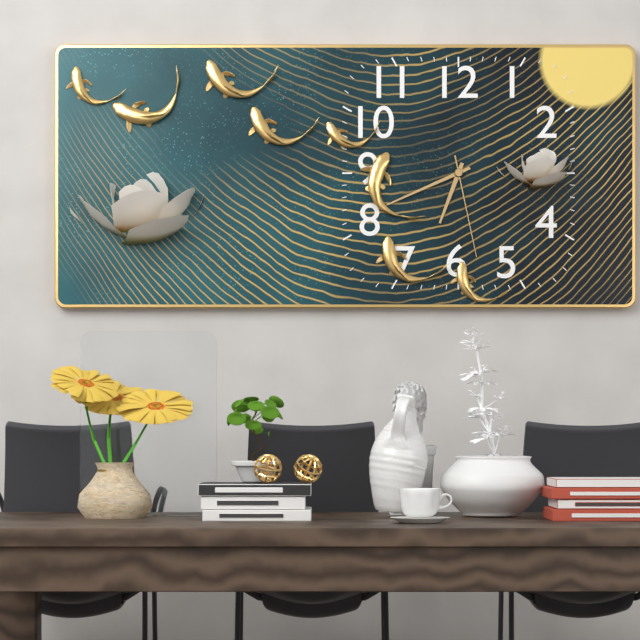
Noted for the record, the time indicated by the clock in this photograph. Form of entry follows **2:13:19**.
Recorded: **6:41:28**
